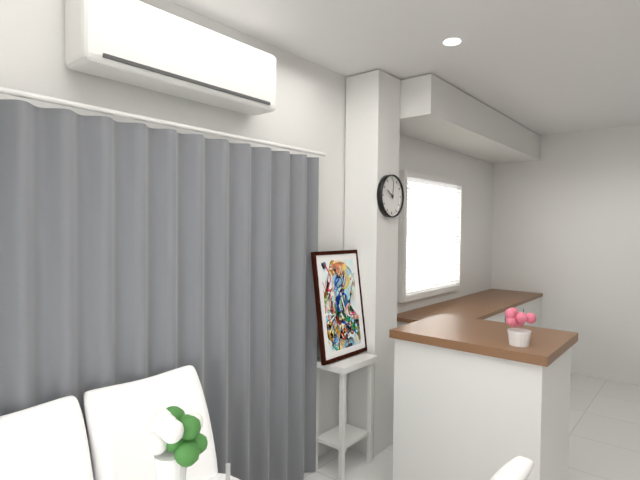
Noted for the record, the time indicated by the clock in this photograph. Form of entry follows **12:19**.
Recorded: **10:01**
